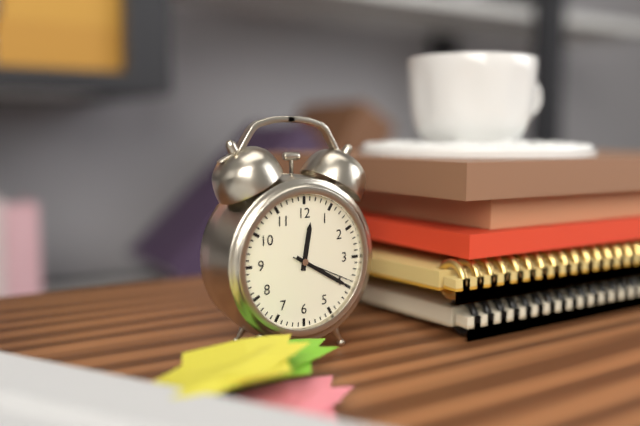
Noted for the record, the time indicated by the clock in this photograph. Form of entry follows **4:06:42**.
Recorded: **12:20:19**
